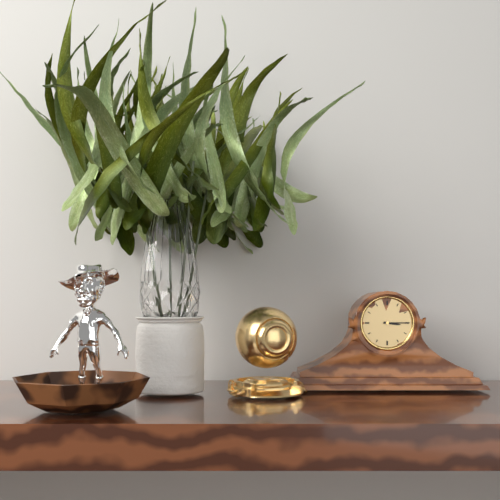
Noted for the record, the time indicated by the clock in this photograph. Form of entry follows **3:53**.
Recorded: **3:15**
